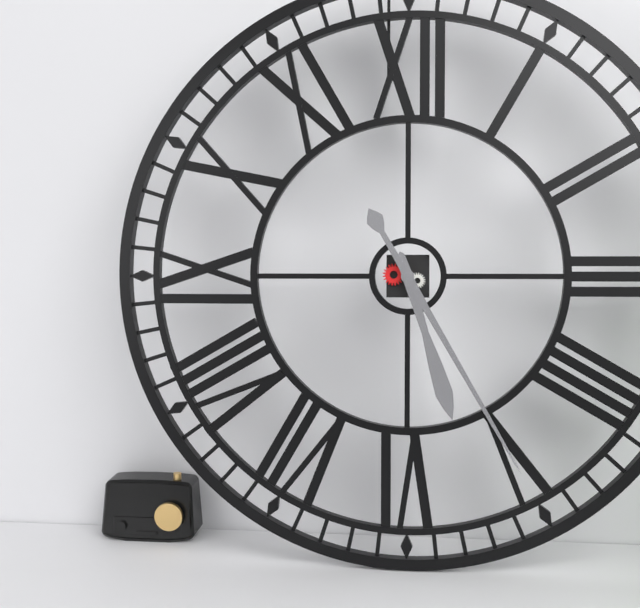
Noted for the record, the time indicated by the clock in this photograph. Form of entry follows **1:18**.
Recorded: **5:25**
